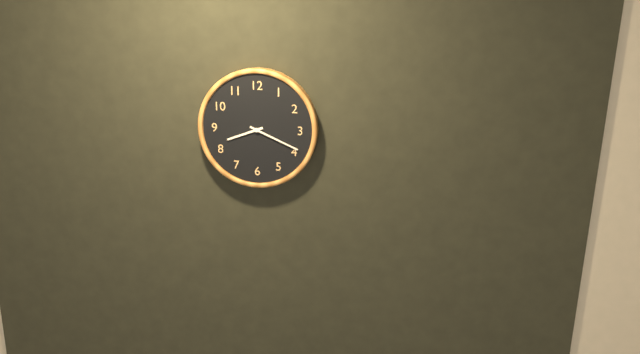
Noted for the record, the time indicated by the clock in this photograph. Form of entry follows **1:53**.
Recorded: **8:19**
